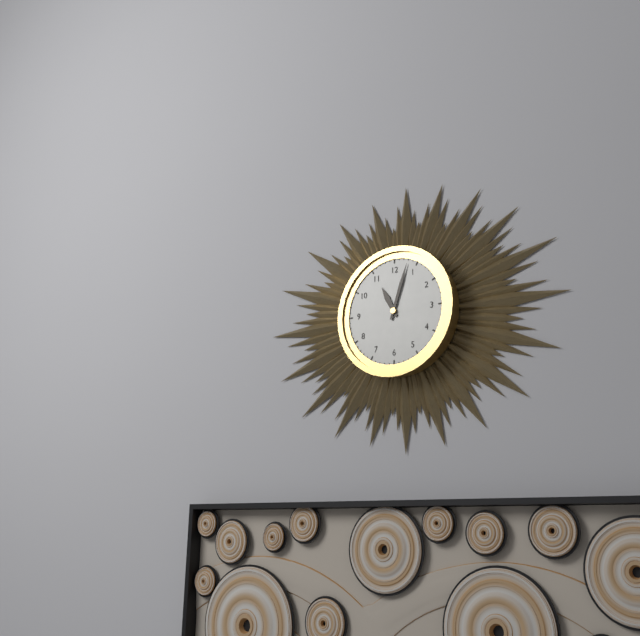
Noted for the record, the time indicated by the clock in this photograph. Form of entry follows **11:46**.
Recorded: **11:03**
